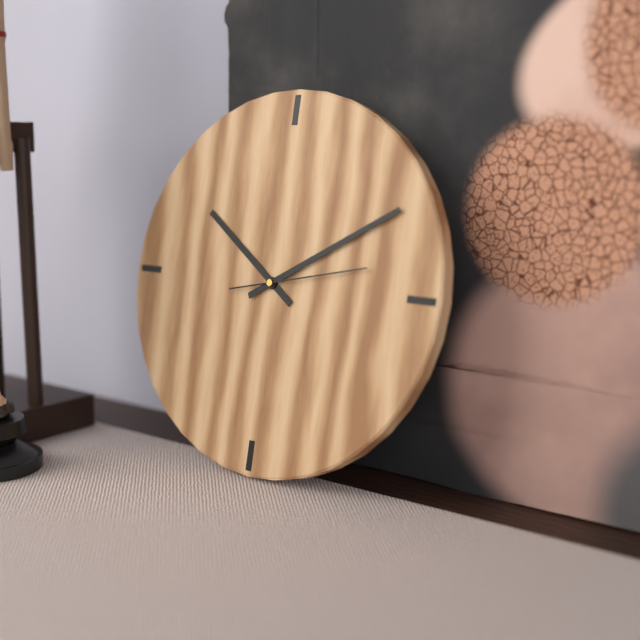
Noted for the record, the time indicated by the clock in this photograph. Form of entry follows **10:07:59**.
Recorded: **10:10:13**
